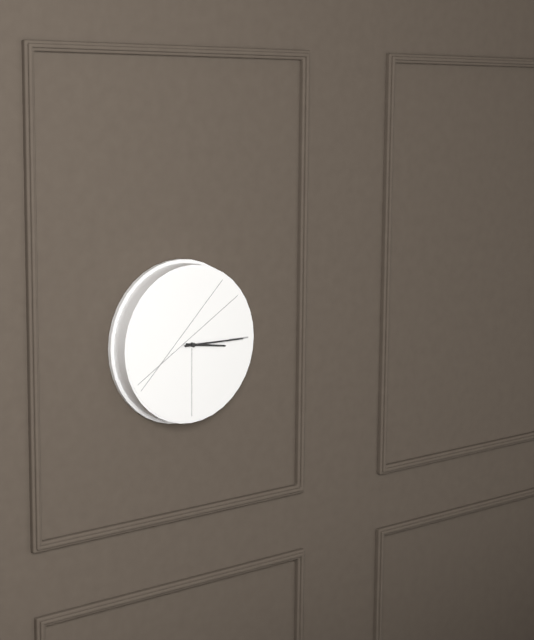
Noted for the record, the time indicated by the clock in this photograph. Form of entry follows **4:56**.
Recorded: **3:15**
